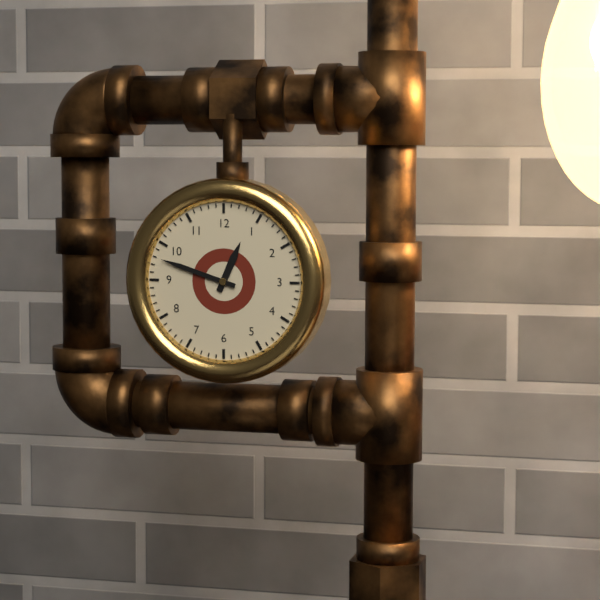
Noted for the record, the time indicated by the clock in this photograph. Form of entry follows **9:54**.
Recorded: **12:48**
